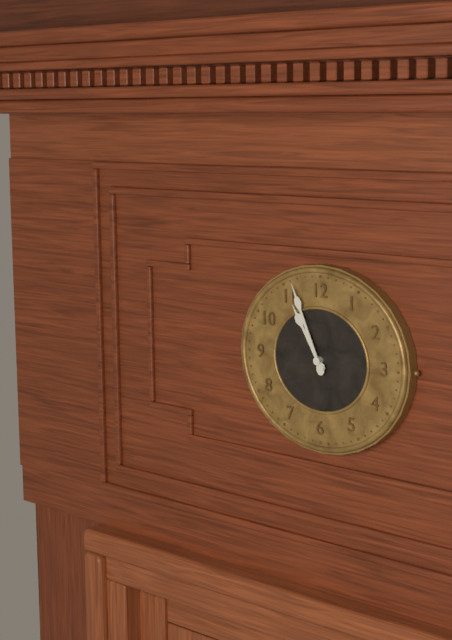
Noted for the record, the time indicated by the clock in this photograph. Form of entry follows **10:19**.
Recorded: **10:56**
